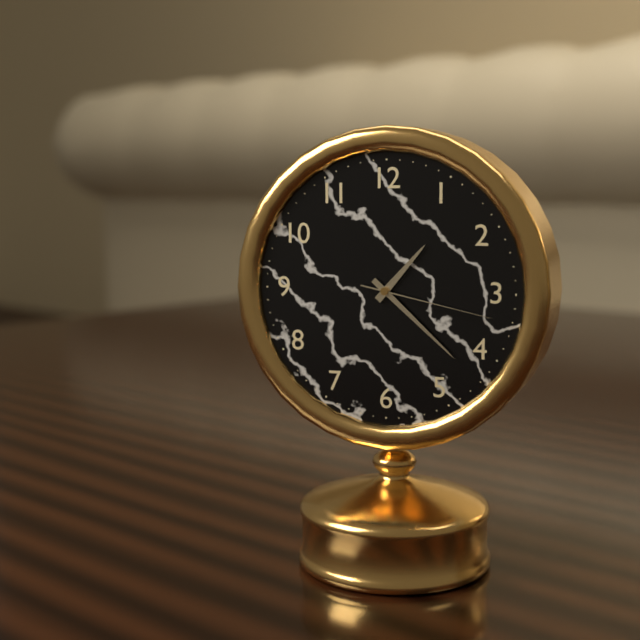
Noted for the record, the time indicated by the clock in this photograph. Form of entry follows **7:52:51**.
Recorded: **1:22:17**
